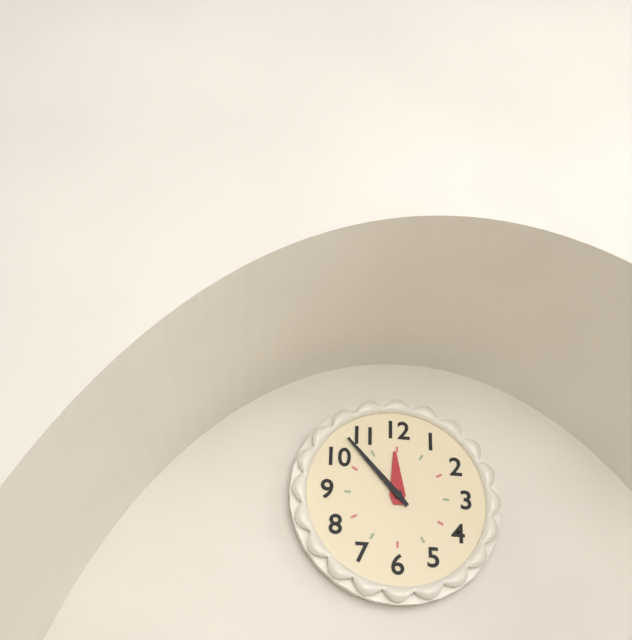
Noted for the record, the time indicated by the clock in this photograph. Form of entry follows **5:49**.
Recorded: **11:53**
